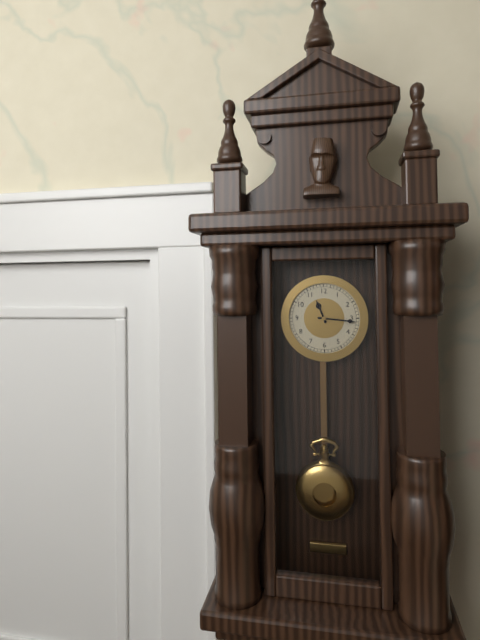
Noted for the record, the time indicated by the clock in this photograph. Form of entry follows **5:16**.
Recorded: **11:16**
